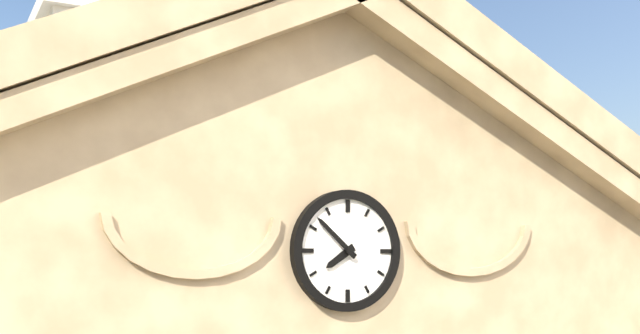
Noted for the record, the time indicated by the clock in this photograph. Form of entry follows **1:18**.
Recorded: **7:52**
